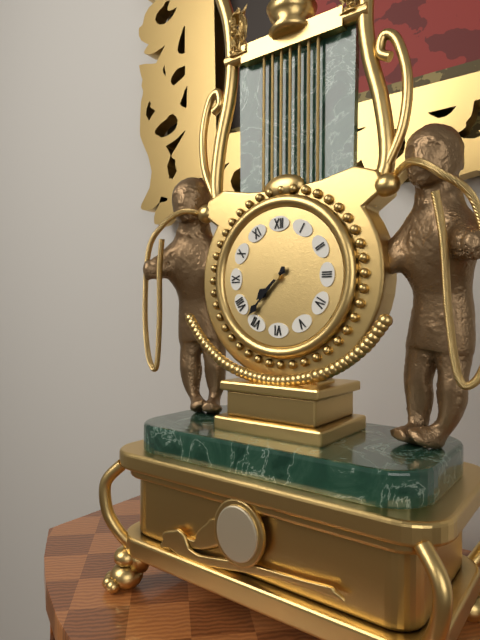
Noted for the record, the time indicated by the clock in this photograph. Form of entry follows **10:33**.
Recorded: **7:37**
